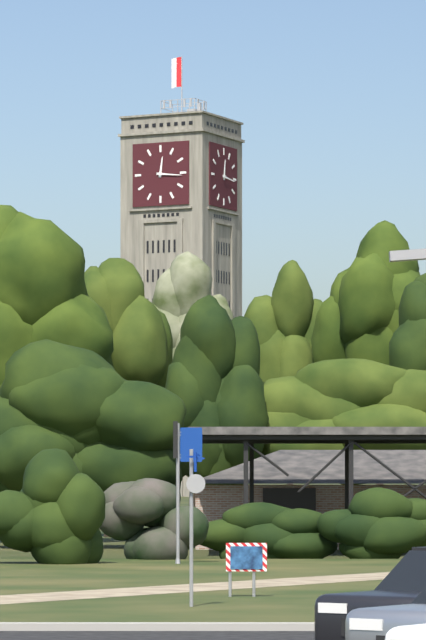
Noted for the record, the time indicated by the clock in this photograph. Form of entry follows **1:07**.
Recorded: **12:16**
